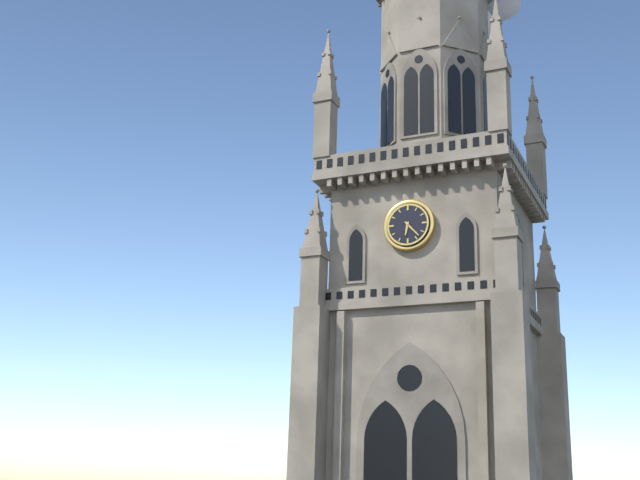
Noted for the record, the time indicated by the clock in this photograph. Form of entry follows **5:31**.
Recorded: **6:23**
